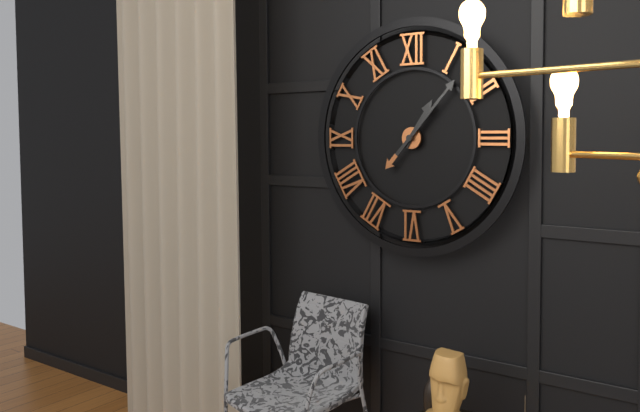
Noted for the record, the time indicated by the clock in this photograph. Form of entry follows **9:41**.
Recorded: **1:07**
